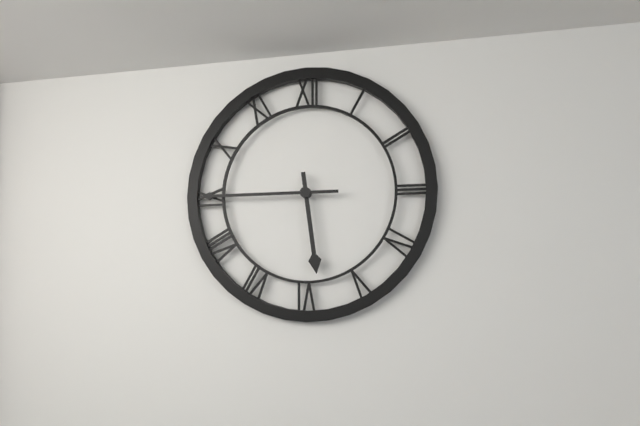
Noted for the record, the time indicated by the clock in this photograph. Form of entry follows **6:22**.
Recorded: **5:45**
